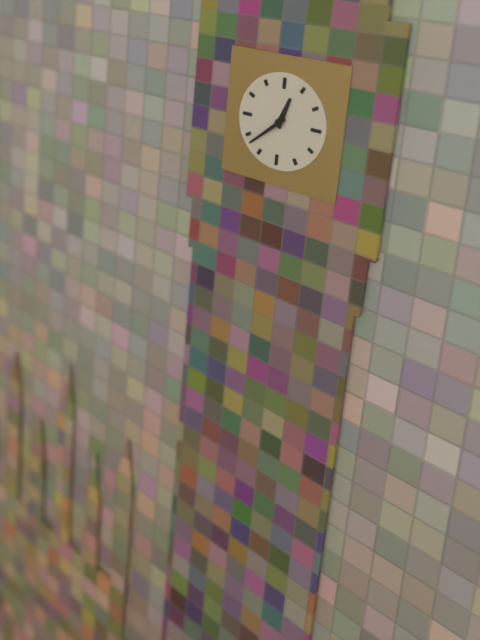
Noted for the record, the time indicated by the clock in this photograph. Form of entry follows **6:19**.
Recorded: **12:38**
